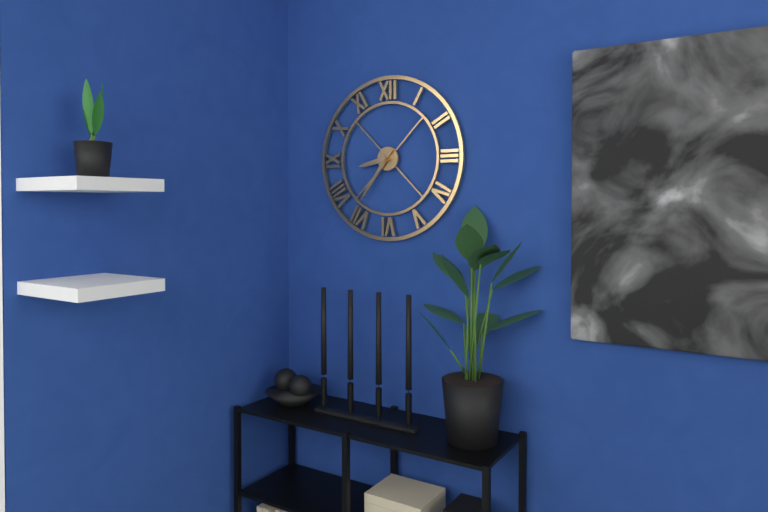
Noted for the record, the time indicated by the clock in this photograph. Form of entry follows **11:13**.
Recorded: **8:36**
